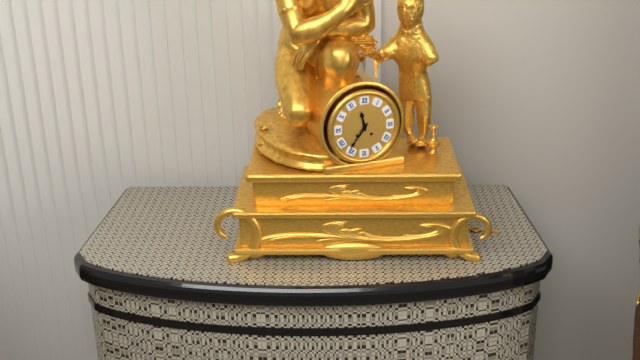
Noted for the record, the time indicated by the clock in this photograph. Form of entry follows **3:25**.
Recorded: **11:36**
